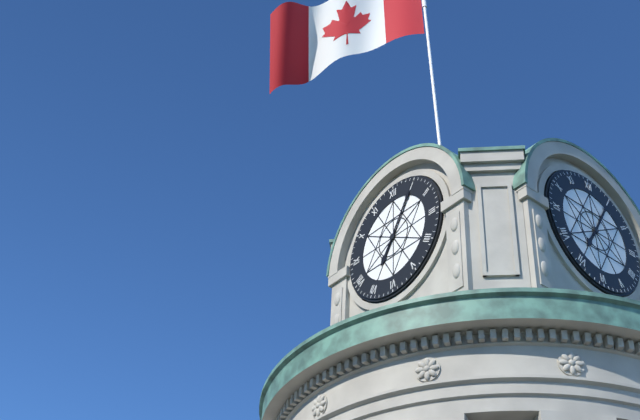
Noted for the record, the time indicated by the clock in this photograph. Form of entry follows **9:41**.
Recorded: **7:05**
